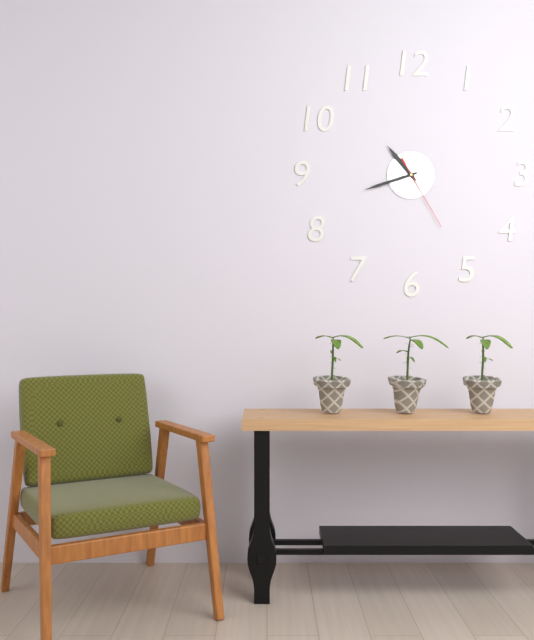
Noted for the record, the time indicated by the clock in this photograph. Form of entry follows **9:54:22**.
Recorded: **10:42:25**
